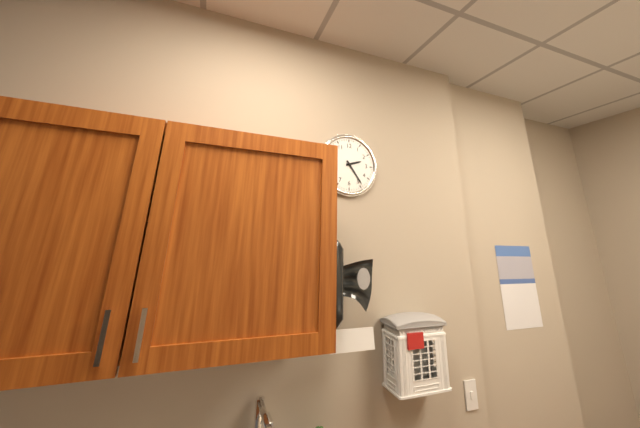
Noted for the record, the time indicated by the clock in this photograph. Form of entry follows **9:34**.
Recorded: **2:24**
